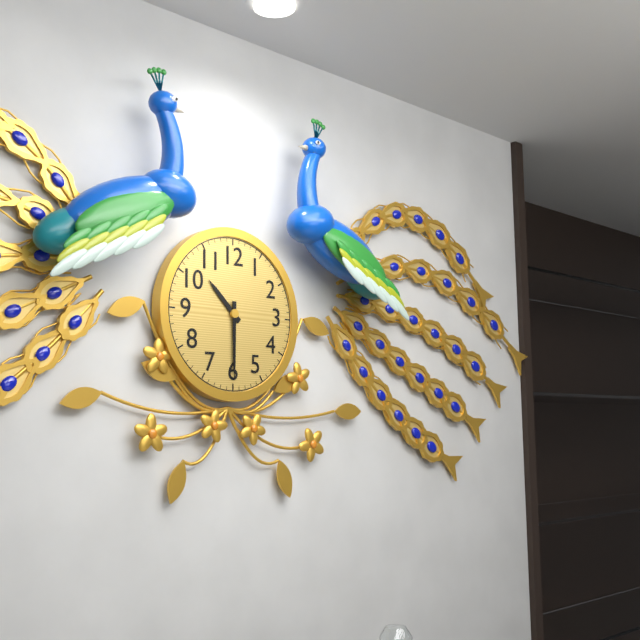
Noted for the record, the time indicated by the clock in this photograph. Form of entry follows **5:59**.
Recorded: **10:30**
